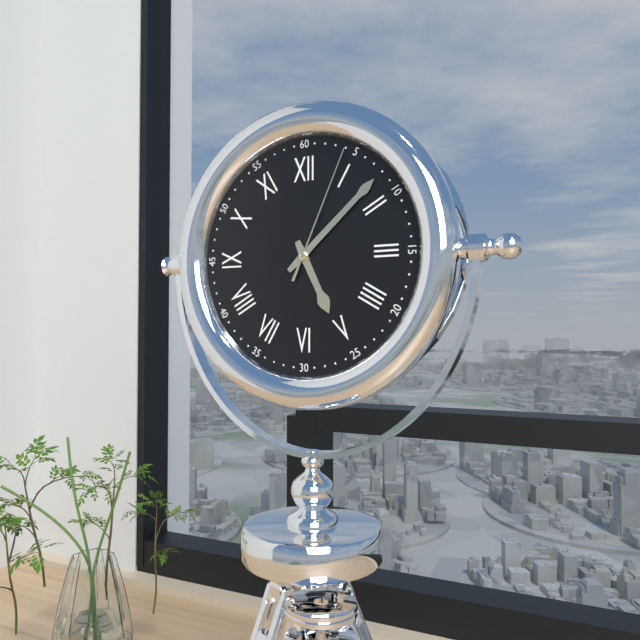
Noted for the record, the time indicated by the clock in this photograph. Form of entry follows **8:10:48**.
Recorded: **5:08:04**
